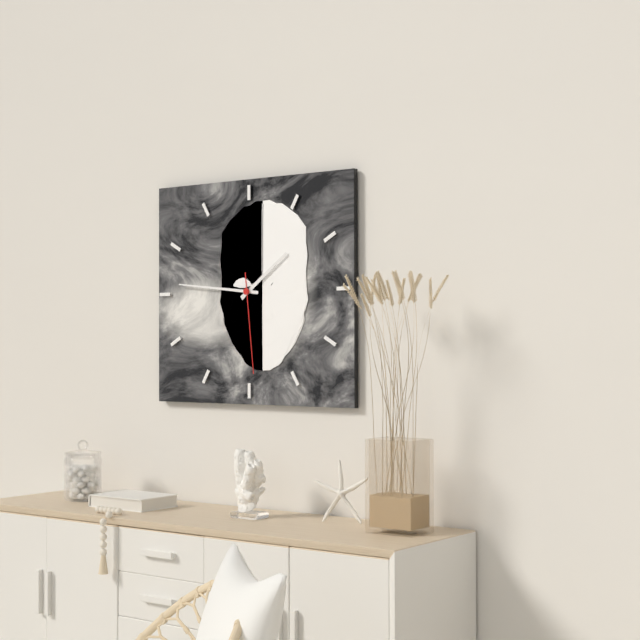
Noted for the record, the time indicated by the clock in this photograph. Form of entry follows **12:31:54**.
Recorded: **1:46:29**
